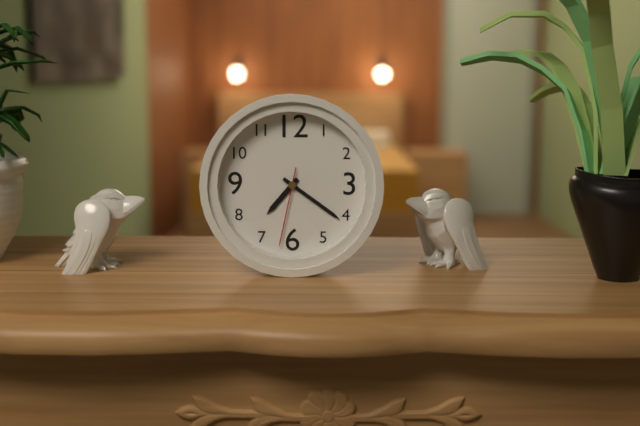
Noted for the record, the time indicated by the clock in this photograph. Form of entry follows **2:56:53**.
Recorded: **7:21:32**
